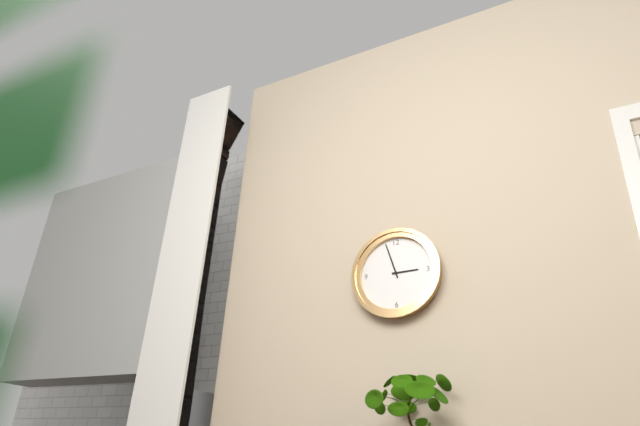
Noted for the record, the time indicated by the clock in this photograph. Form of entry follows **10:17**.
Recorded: **2:57**
